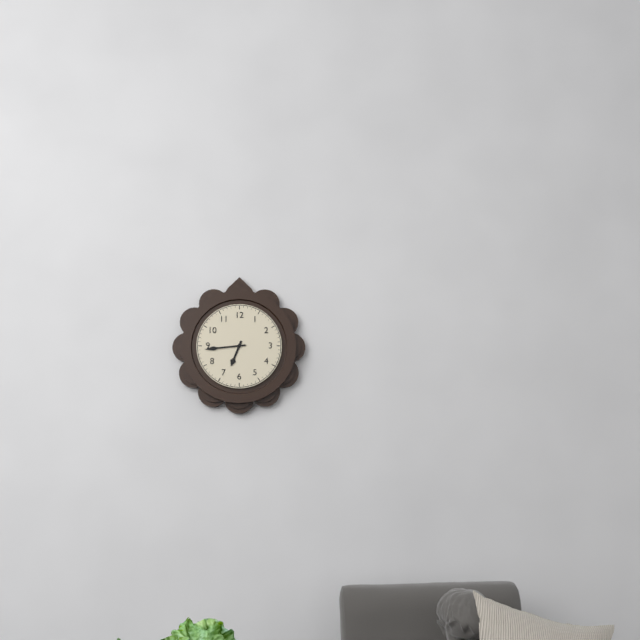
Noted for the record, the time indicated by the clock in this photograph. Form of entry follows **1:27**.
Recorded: **6:44**
